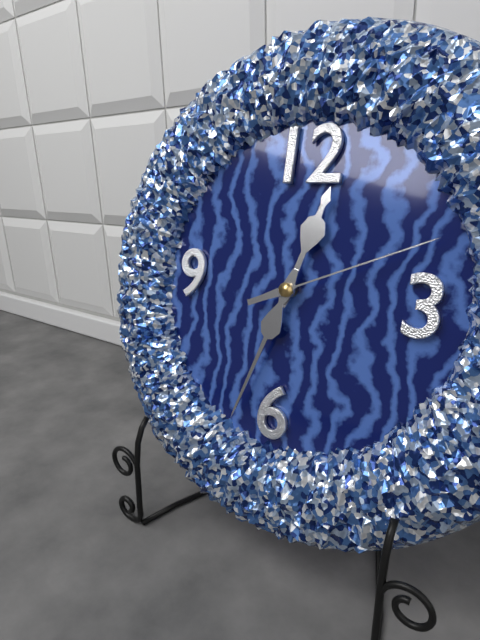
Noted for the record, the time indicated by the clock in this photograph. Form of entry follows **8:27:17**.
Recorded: **12:33:11**
